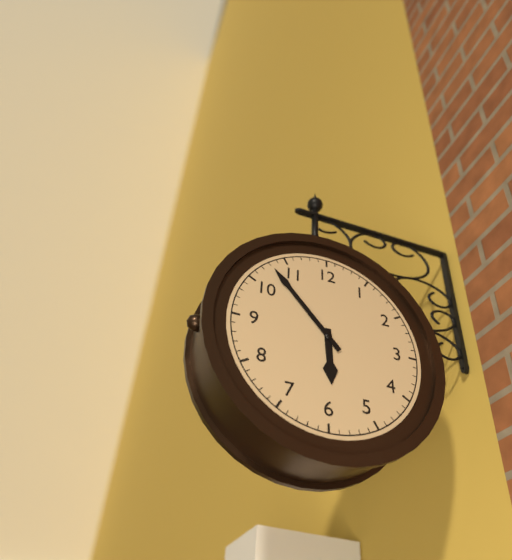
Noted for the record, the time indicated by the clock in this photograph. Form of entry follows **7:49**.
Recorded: **5:53**
